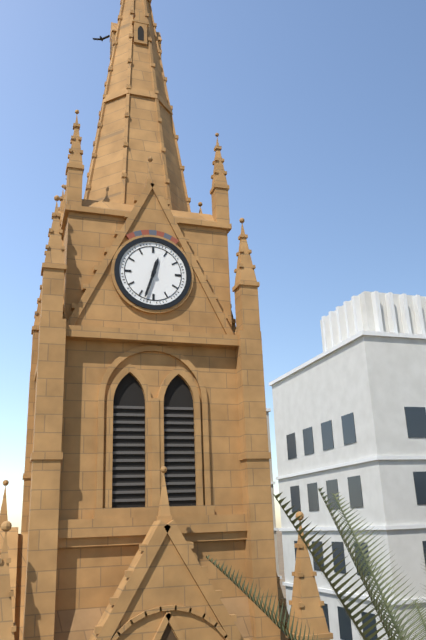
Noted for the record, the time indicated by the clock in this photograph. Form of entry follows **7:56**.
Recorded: **12:33**
